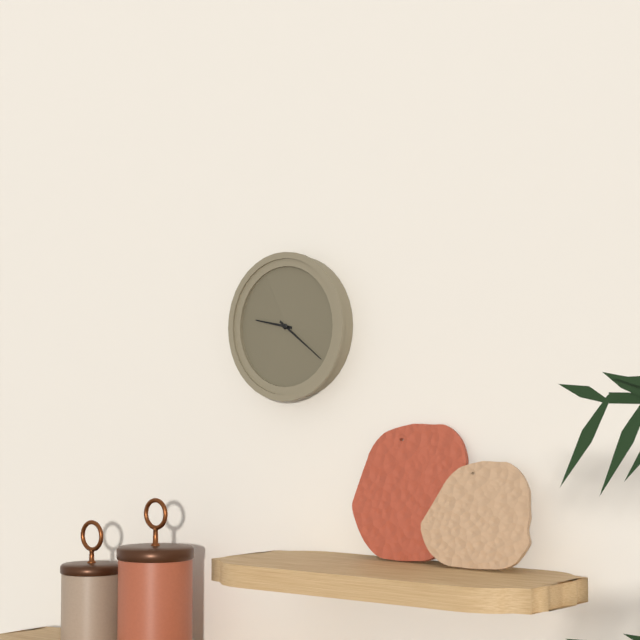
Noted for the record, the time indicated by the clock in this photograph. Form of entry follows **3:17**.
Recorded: **9:21**
